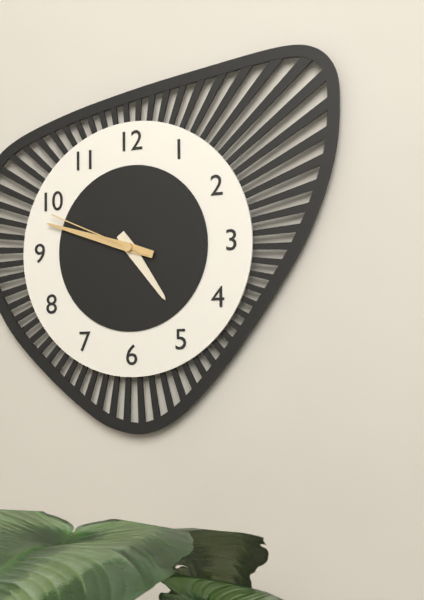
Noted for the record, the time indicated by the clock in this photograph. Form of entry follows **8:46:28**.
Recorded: **4:48:49**
